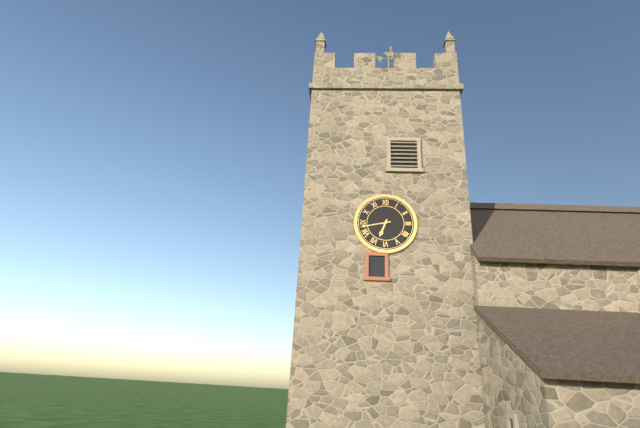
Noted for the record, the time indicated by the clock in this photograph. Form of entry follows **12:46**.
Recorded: **6:43**
